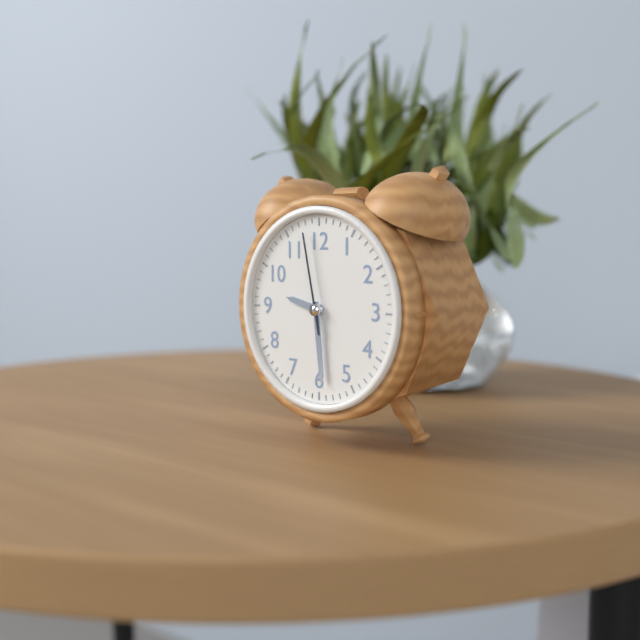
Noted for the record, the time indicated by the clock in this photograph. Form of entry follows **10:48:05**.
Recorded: **9:29:58**
